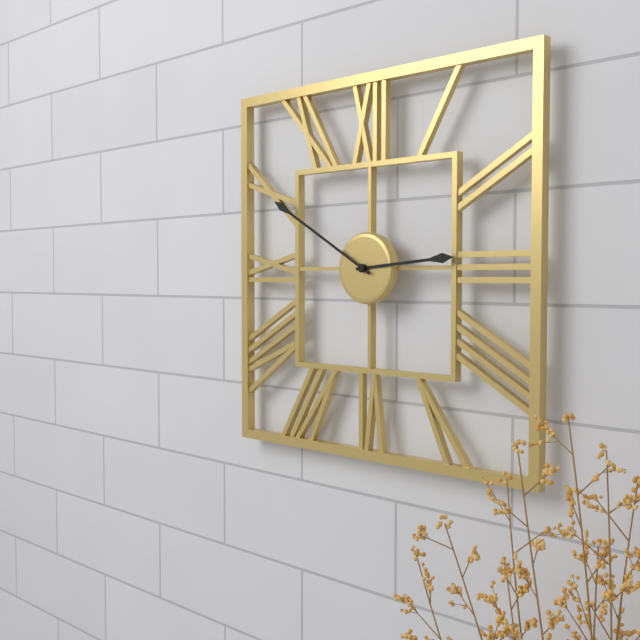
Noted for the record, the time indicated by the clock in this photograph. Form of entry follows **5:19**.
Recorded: **2:50**
